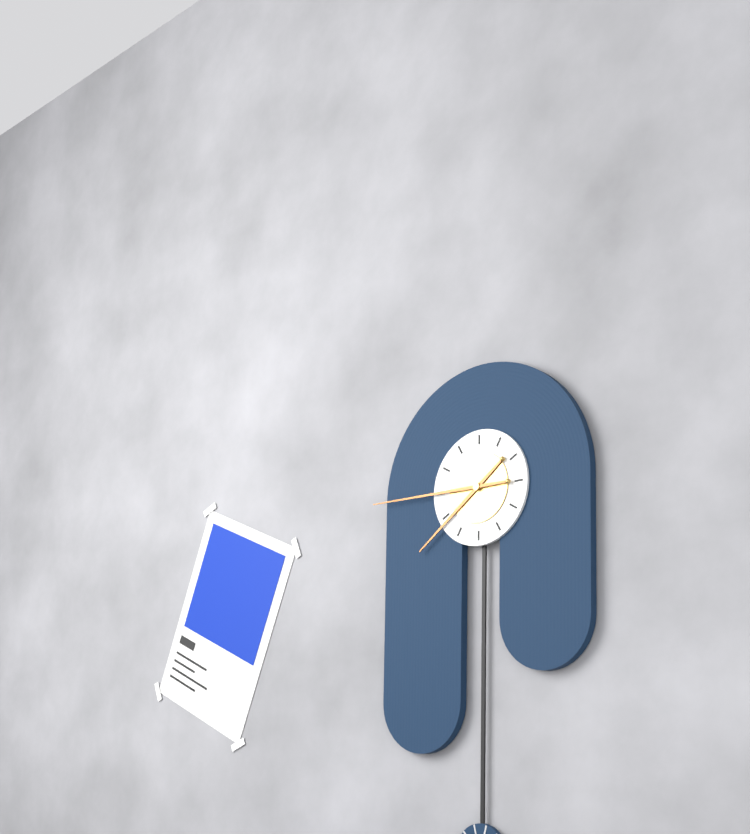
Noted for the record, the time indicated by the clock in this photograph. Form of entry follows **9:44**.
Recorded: **7:45**
